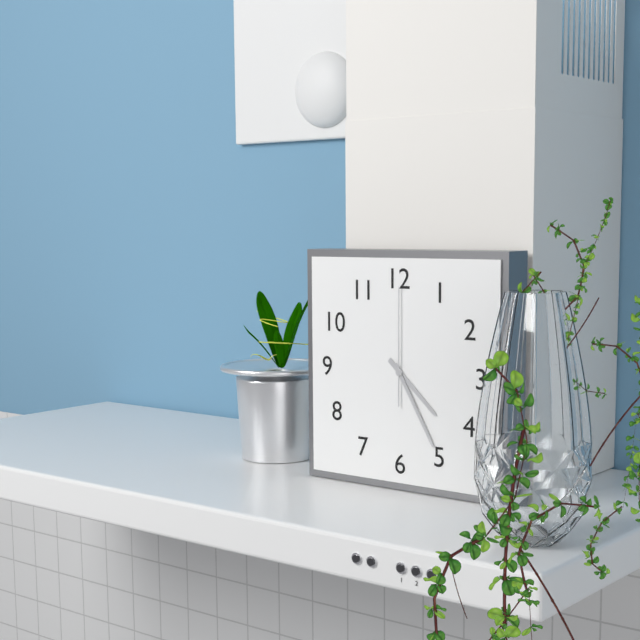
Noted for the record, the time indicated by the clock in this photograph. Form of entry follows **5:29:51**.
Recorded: **4:25:00**
